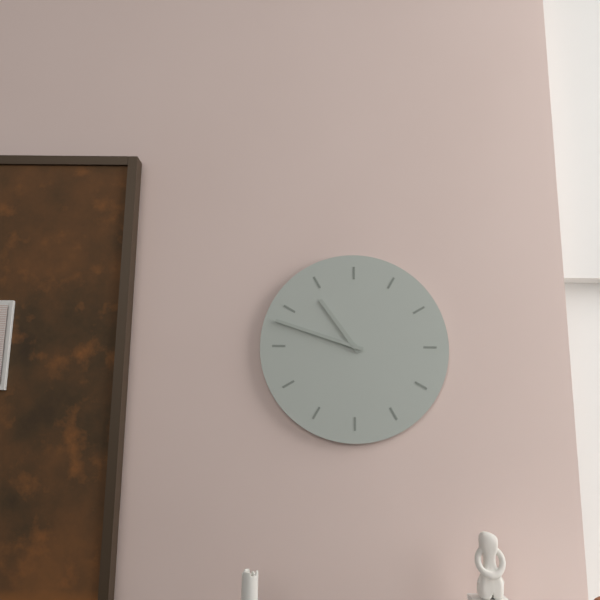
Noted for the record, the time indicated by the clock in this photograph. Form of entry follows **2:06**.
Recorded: **10:48**
